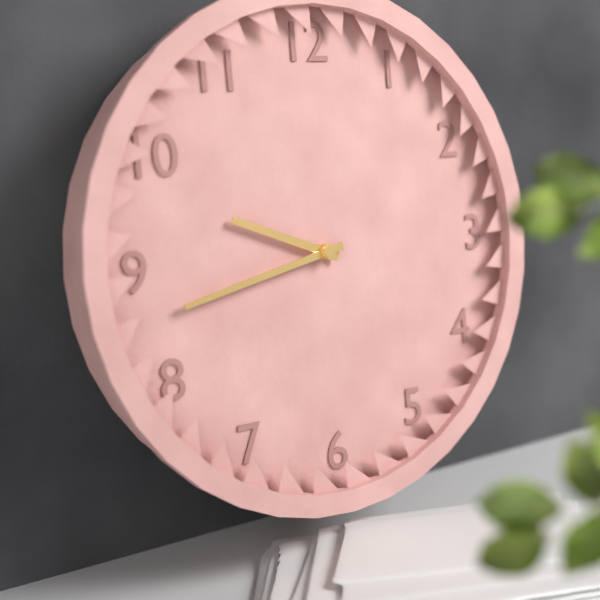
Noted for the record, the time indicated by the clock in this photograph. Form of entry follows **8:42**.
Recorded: **9:43**
